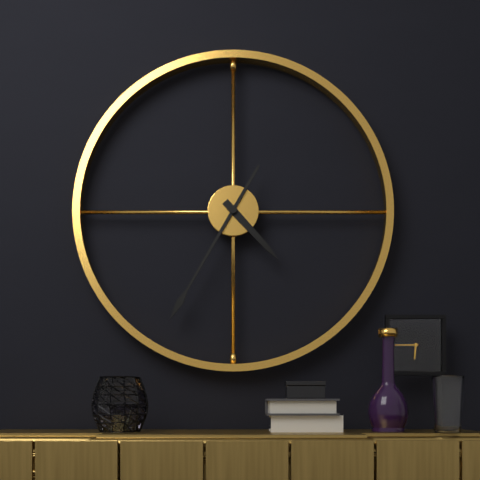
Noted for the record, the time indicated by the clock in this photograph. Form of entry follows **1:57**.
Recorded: **4:35**
